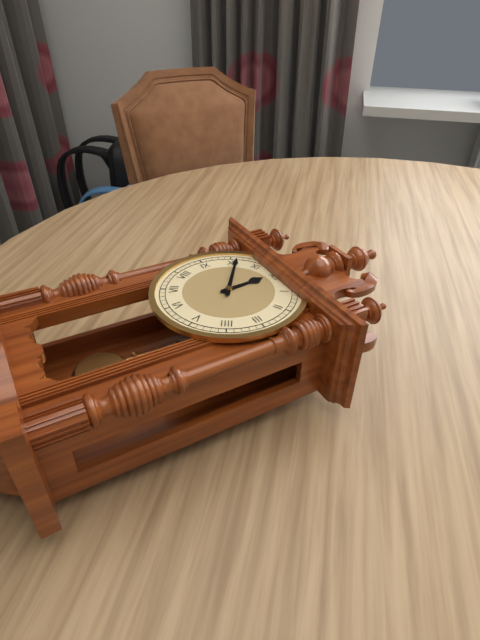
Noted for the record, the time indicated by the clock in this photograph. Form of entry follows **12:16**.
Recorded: **11:51**
